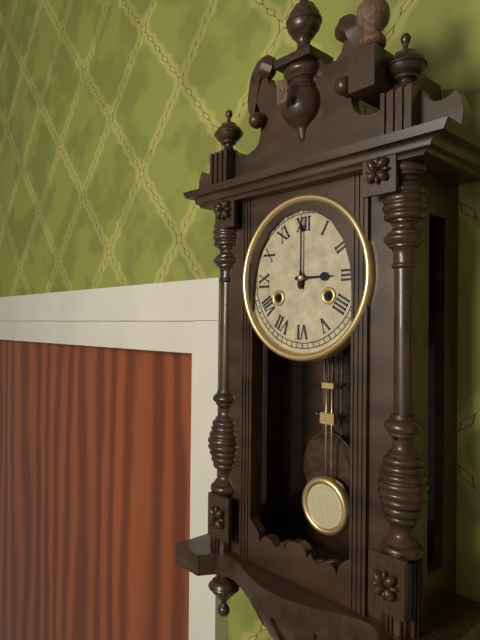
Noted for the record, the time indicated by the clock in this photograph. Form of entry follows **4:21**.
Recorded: **3:00**
